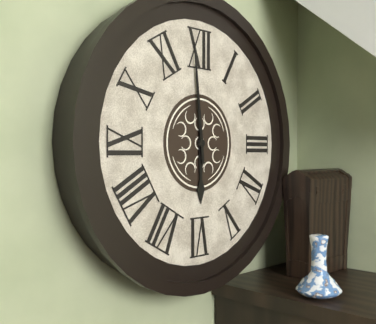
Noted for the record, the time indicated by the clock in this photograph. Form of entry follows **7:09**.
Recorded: **5:59**
